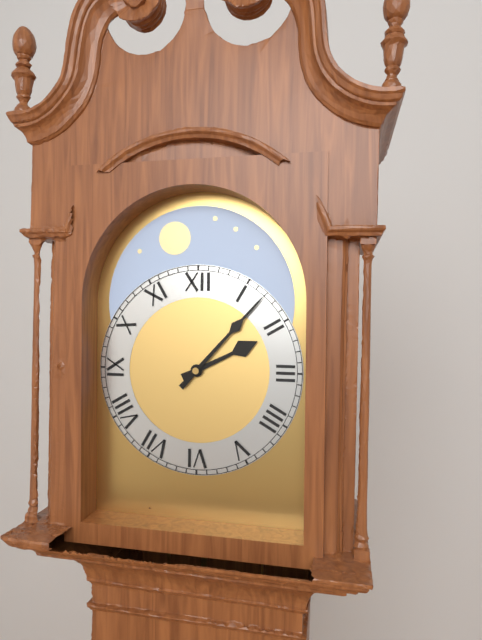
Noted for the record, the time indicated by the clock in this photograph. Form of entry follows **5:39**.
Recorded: **2:07**
